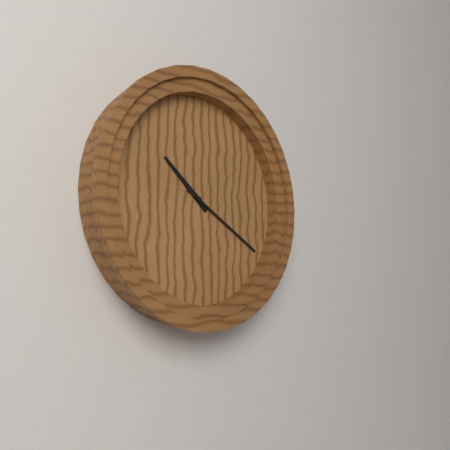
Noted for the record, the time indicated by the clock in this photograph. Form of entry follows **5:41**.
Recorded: **10:20**
